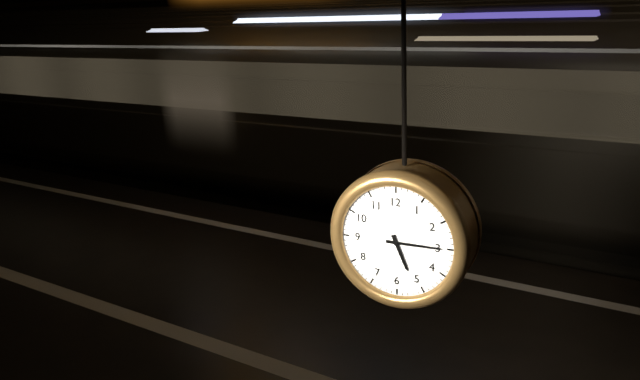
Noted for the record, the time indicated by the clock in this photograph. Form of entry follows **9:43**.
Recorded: **5:15**
